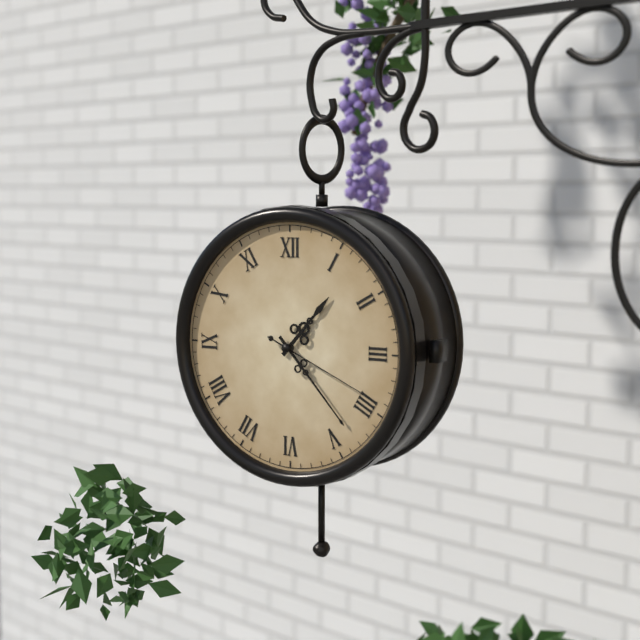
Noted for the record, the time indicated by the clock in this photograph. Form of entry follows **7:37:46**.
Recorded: **1:23:19**
